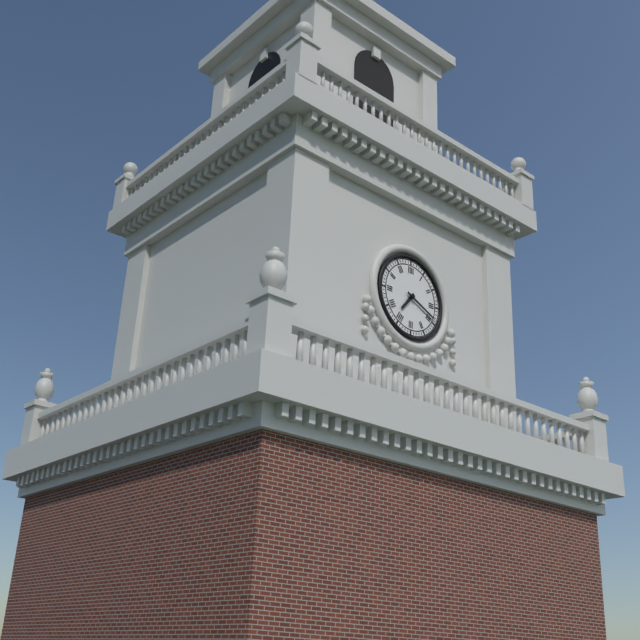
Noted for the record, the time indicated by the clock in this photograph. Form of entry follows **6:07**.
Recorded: **7:19**
